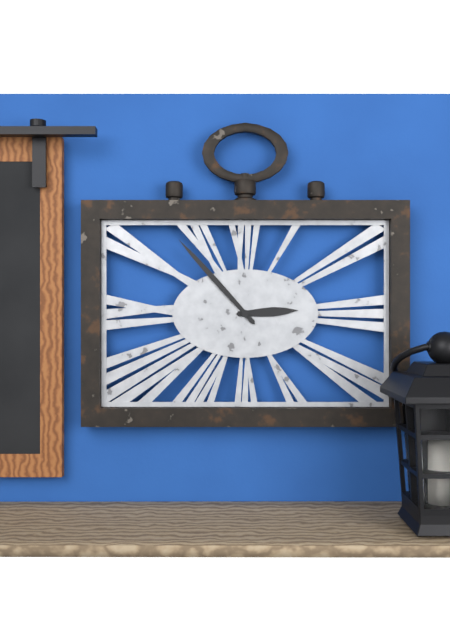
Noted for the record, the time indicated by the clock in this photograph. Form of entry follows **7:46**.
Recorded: **2:53**
